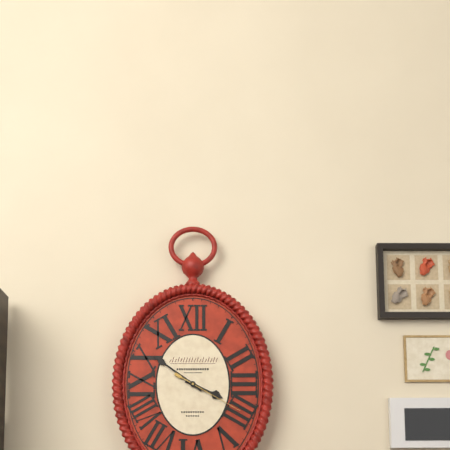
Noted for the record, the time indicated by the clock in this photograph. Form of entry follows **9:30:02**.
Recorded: **3:51:20**
